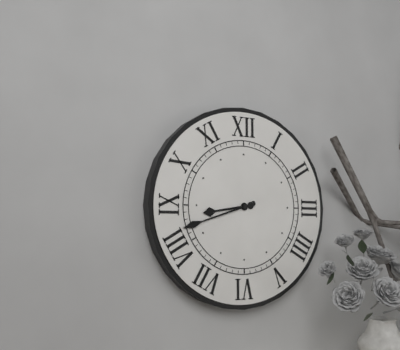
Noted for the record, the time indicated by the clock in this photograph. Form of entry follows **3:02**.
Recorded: **8:42**
